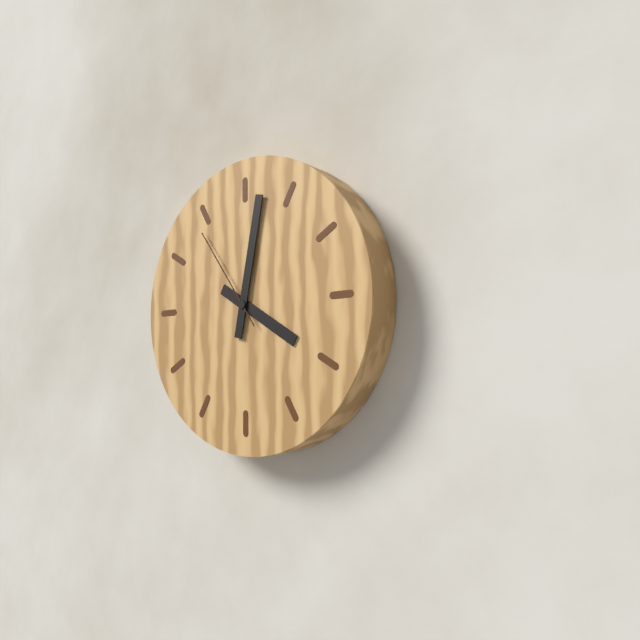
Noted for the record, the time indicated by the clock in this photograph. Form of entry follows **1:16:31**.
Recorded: **4:02:54**
